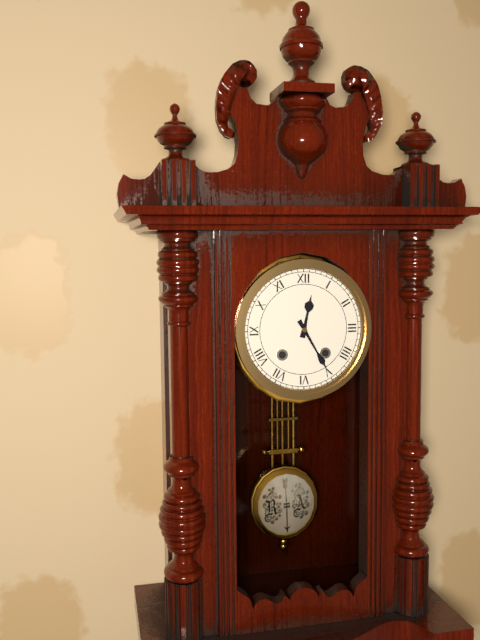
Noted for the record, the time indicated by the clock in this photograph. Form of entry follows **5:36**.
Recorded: **12:25**
